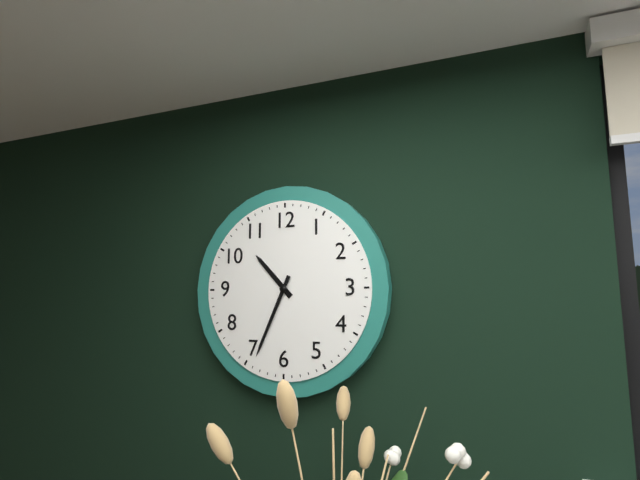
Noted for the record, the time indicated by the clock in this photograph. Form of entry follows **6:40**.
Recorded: **10:34**
